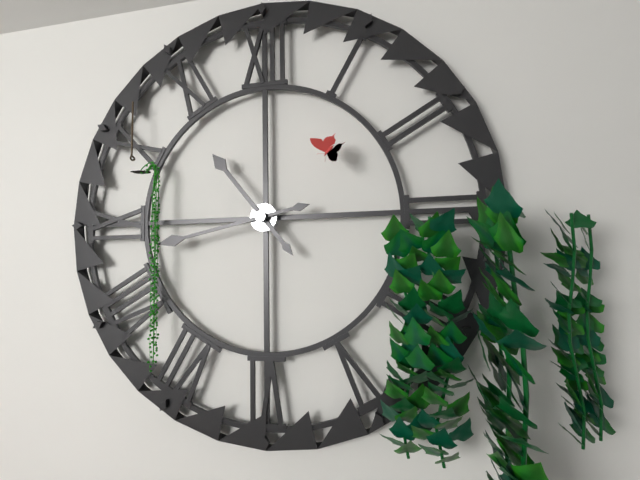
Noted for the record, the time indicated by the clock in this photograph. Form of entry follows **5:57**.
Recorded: **10:43**
